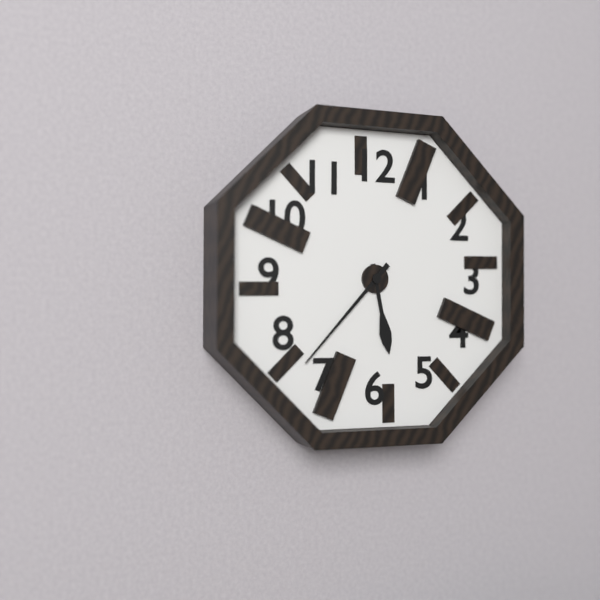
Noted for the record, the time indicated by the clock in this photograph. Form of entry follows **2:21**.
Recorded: **5:37**
